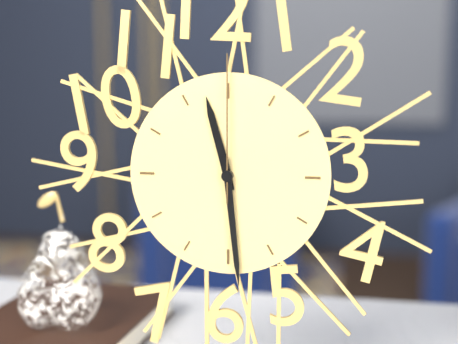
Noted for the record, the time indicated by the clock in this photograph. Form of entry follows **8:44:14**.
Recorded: **11:29:00**
